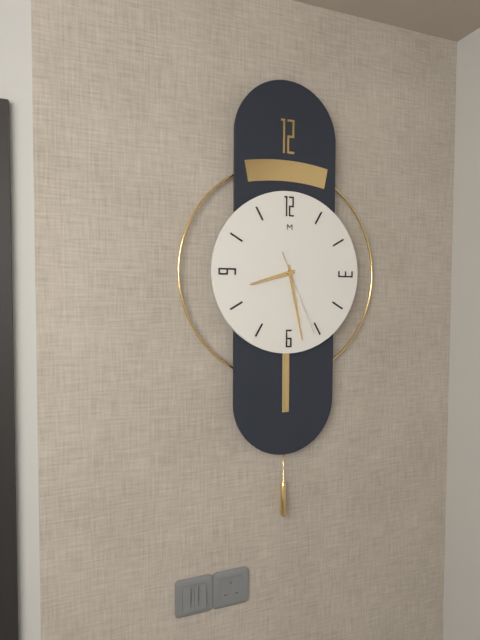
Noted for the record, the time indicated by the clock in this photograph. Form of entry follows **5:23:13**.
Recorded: **8:28:26**
